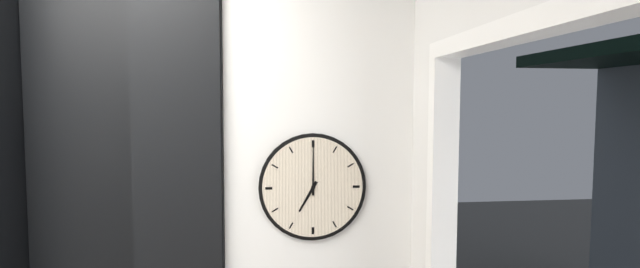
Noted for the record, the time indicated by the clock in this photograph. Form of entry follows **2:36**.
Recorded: **7:00**
